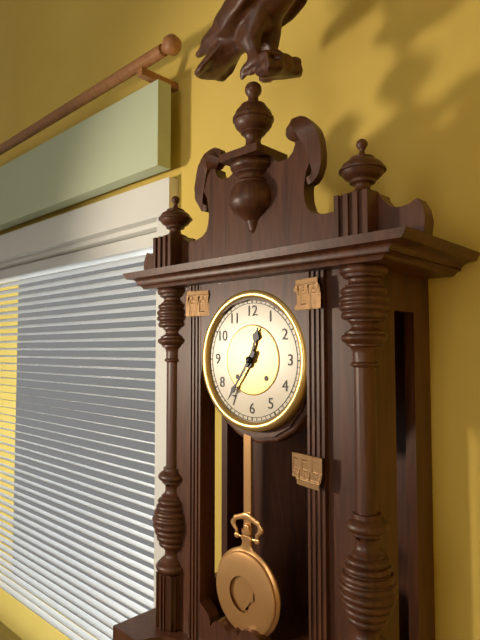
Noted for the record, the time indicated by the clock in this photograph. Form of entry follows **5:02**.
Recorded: **12:36**
